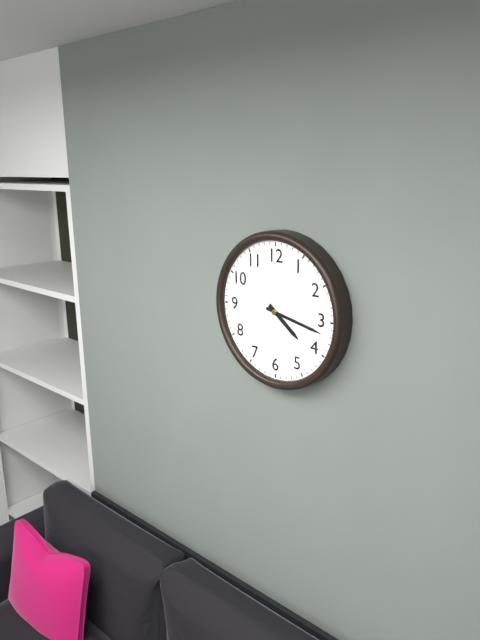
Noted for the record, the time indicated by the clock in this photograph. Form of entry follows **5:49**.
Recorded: **4:17**
